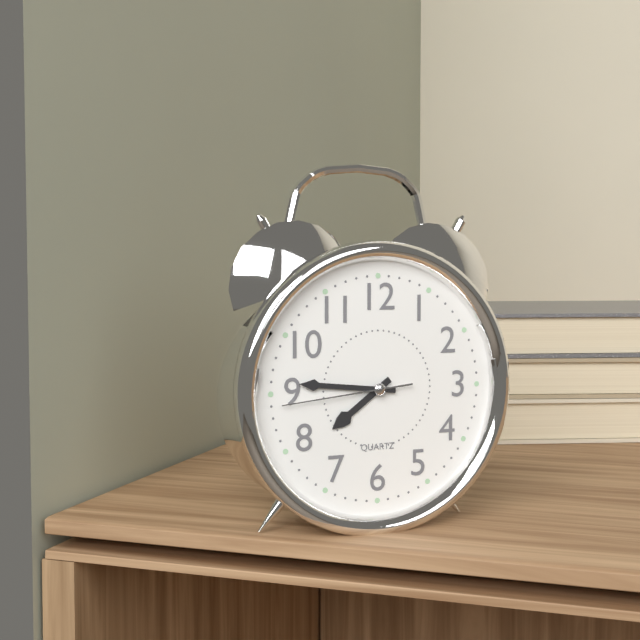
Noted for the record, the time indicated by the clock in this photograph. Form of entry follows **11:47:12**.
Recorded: **7:46:44**
